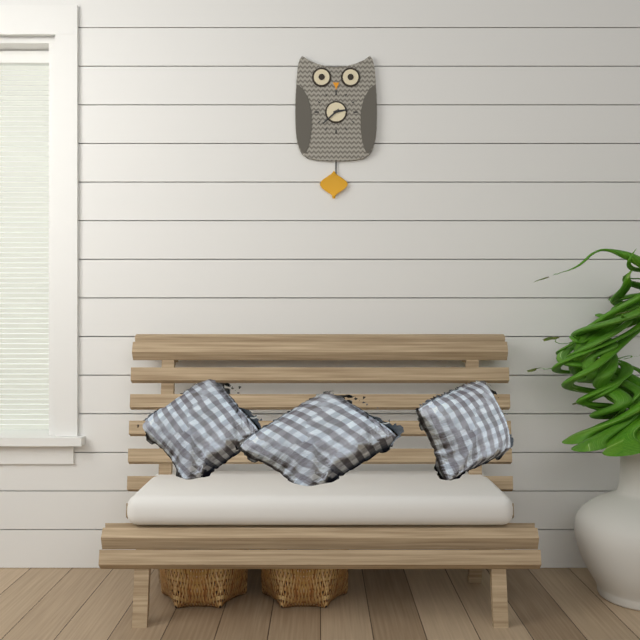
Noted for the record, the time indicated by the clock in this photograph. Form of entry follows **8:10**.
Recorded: **2:38**
